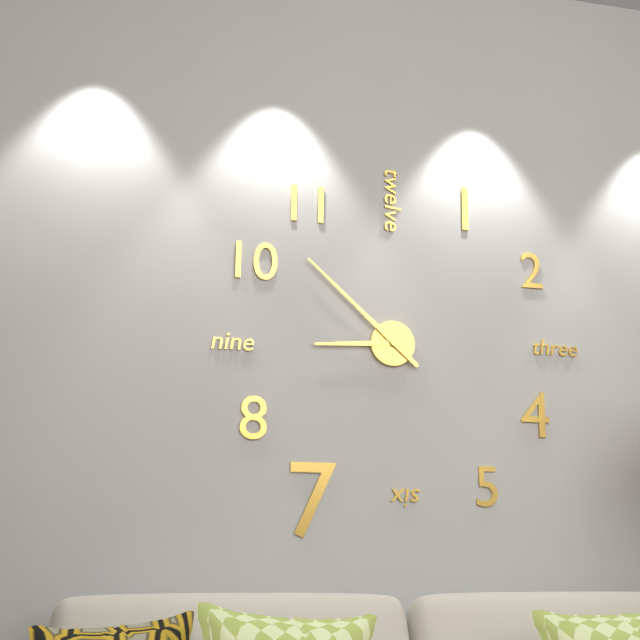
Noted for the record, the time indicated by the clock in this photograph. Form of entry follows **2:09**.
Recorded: **8:52**
